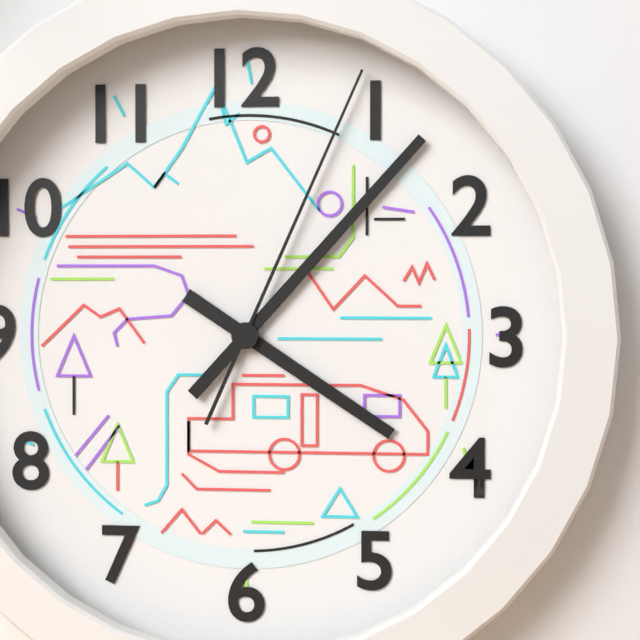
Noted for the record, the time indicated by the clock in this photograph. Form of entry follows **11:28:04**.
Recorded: **4:07:04**
